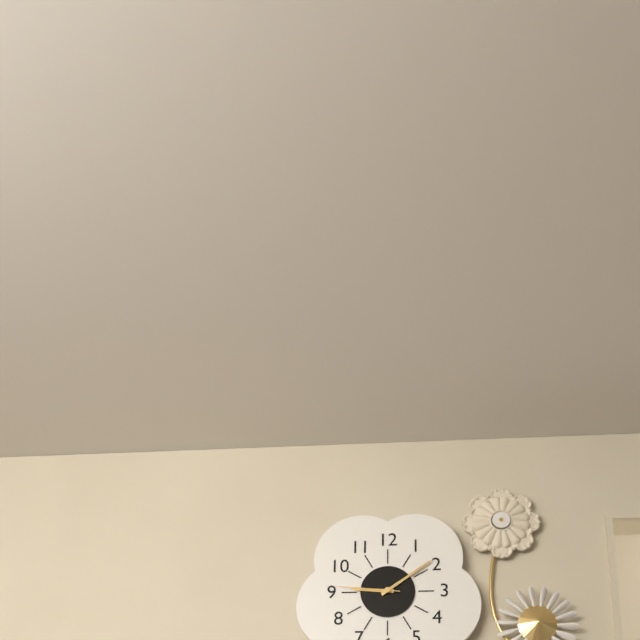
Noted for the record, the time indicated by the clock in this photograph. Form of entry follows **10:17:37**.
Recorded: **9:09:46**
